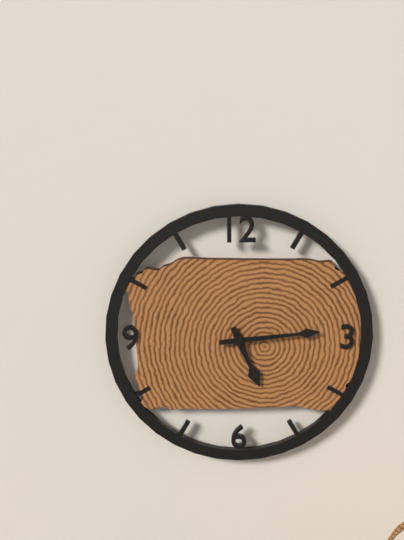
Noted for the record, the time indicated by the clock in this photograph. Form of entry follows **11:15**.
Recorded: **5:14**
